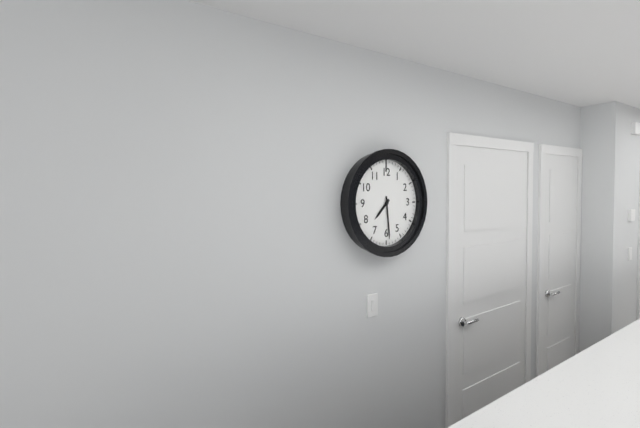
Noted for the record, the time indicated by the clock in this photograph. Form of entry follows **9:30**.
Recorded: **7:29**
